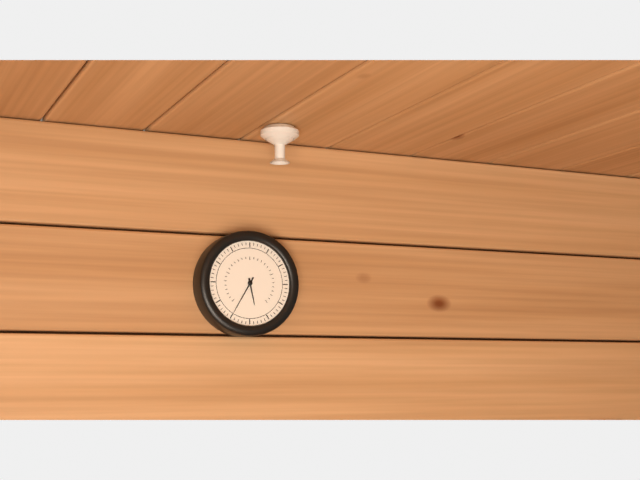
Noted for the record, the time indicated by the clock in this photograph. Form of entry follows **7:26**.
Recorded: **5:35**
